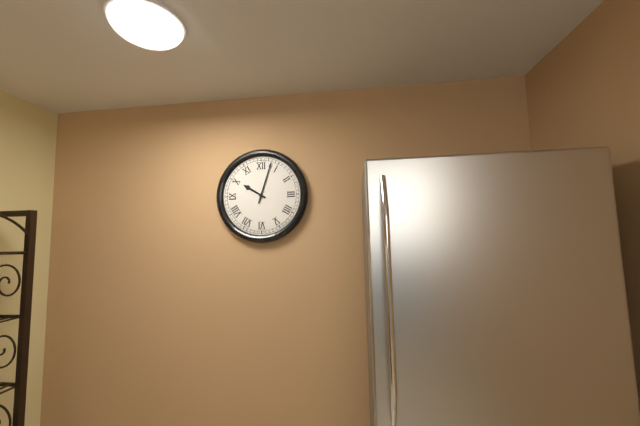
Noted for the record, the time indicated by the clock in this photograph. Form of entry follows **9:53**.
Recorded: **10:03**
